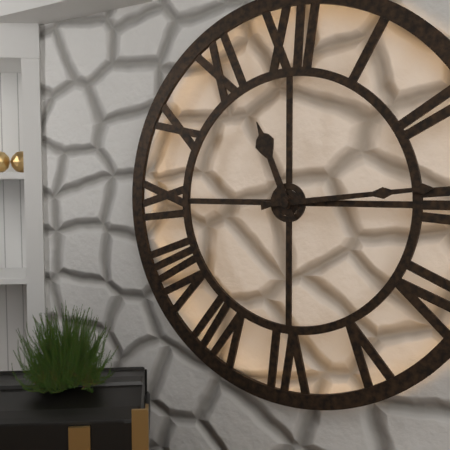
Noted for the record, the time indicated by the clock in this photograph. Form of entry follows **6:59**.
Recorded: **11:14**
